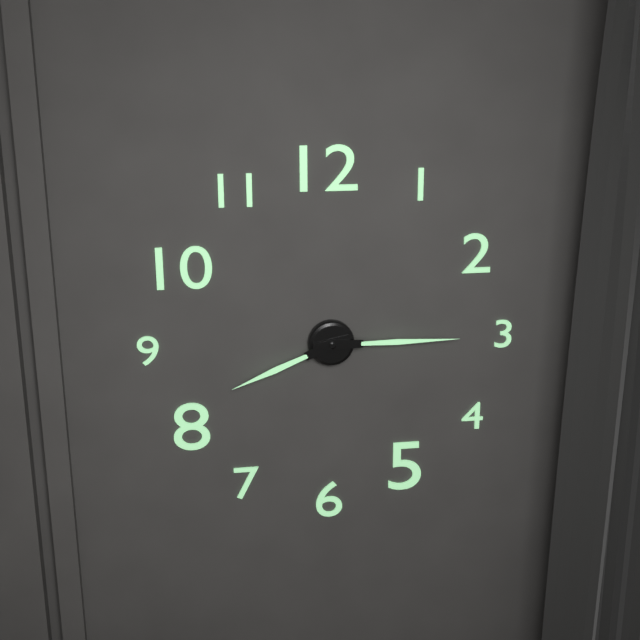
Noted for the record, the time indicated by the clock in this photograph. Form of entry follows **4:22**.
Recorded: **8:15**
